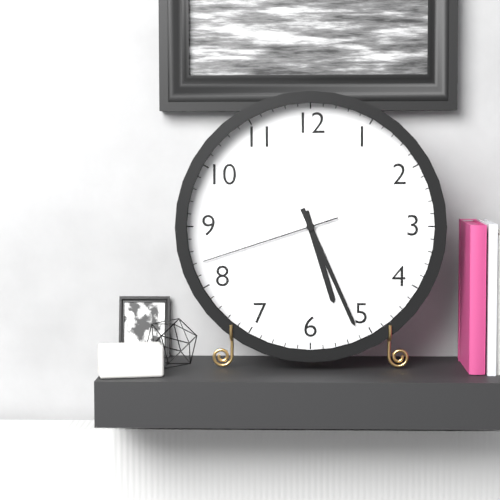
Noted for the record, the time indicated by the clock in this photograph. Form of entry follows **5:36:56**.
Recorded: **5:26:42**
